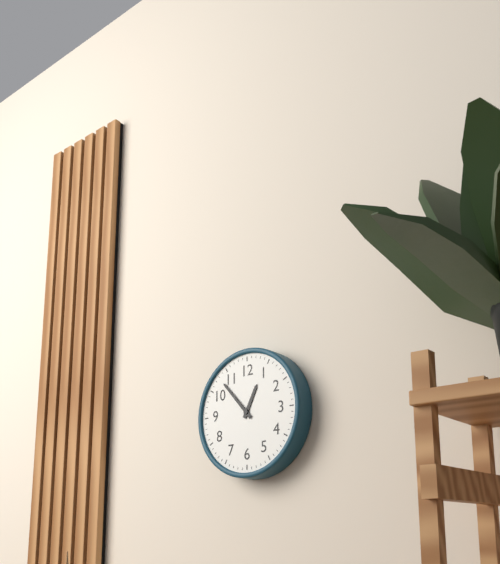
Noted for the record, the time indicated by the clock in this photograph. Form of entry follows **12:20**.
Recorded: **12:53**
